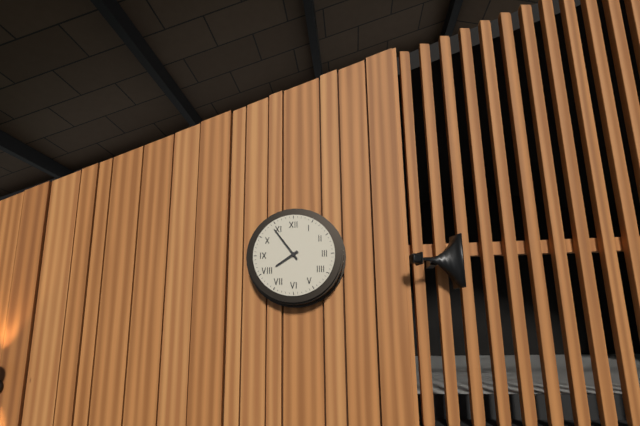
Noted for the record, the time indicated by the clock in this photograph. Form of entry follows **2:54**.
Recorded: **7:54**
